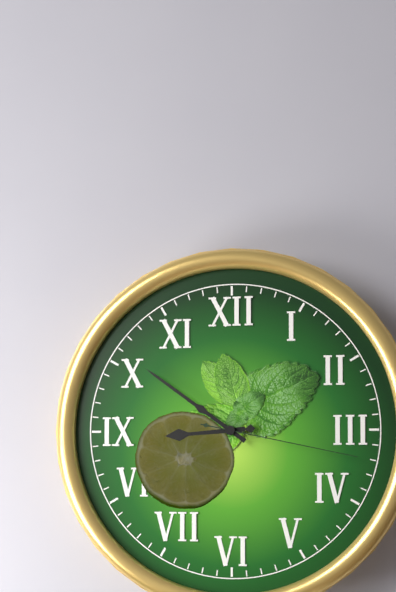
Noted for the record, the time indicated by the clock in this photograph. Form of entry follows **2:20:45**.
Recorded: **8:51:17**
